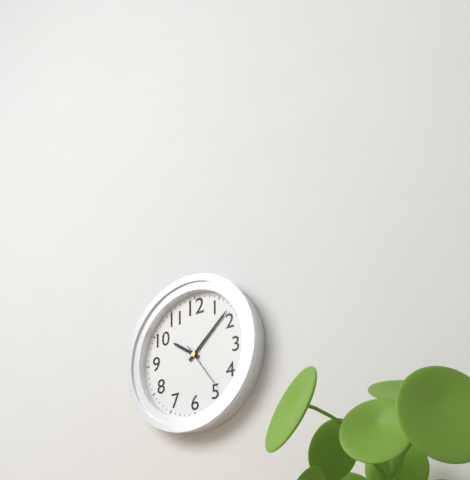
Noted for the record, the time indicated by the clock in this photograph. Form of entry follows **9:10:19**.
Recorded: **10:08:24**
